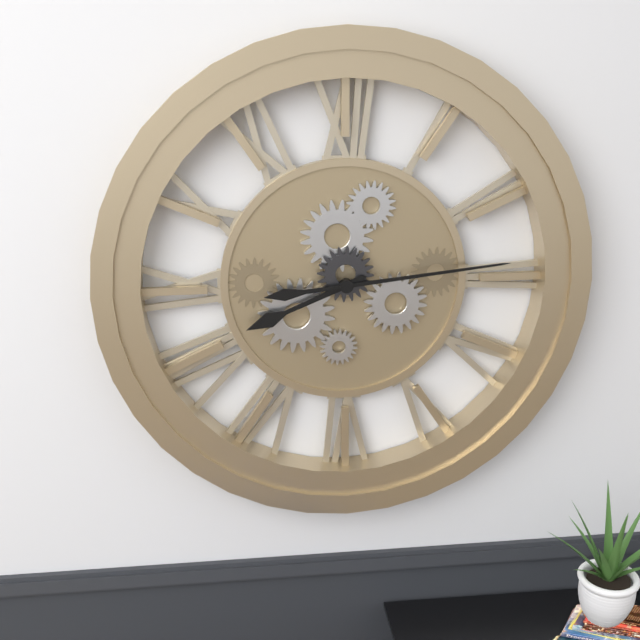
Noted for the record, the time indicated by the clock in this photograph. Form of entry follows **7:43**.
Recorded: **8:14**
